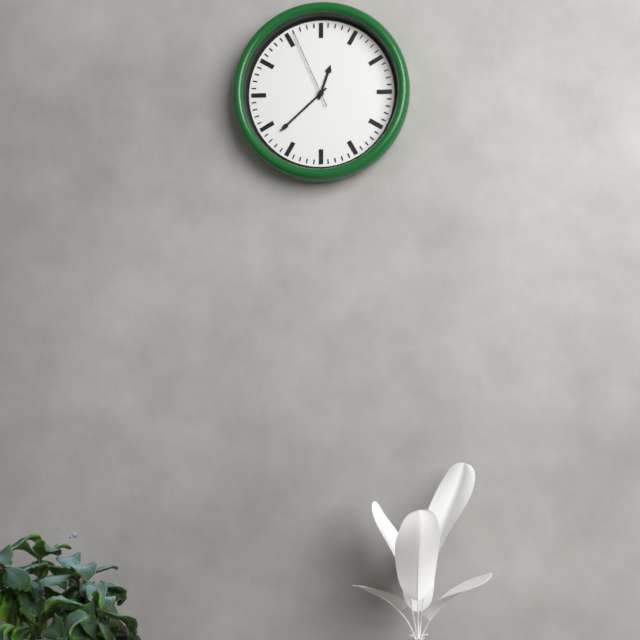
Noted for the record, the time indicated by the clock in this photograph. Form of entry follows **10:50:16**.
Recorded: **12:38:56**
